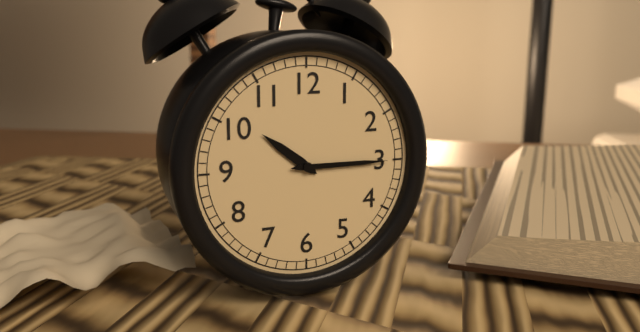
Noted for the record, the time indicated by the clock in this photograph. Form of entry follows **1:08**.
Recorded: **10:15**
